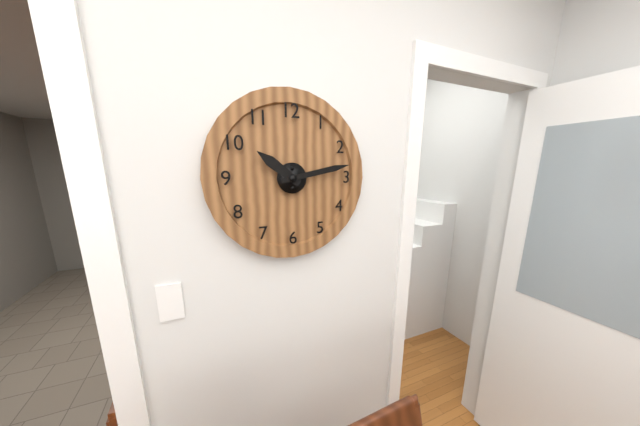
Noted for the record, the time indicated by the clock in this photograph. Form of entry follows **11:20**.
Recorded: **10:13**
